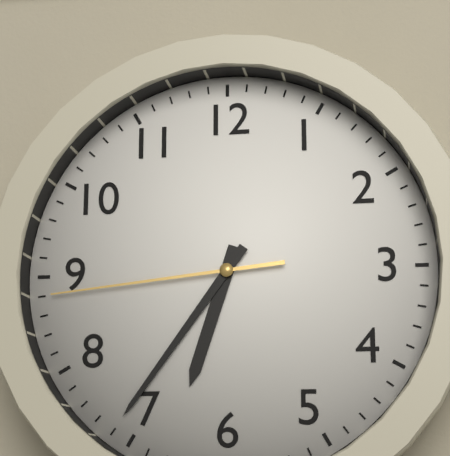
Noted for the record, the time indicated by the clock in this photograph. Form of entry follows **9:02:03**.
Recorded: **6:36:44**
